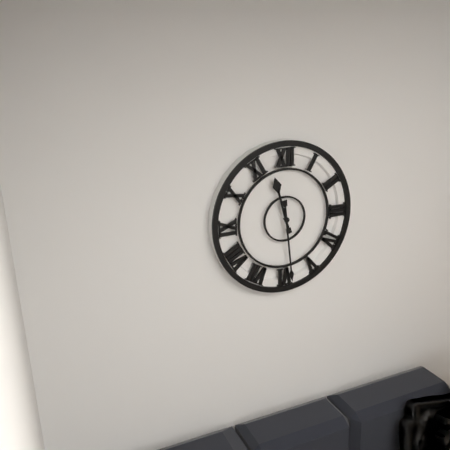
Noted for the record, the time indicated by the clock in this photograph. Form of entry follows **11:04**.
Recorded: **11:29**
